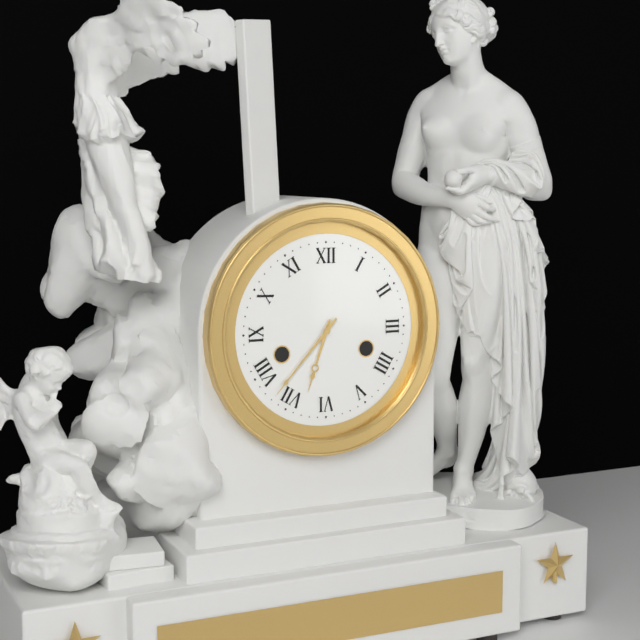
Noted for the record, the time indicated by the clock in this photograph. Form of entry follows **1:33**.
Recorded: **6:37**
